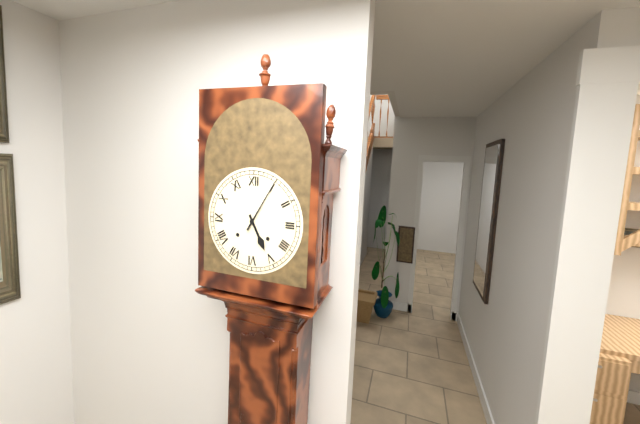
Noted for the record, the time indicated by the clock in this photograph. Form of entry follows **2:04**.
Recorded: **5:05**
